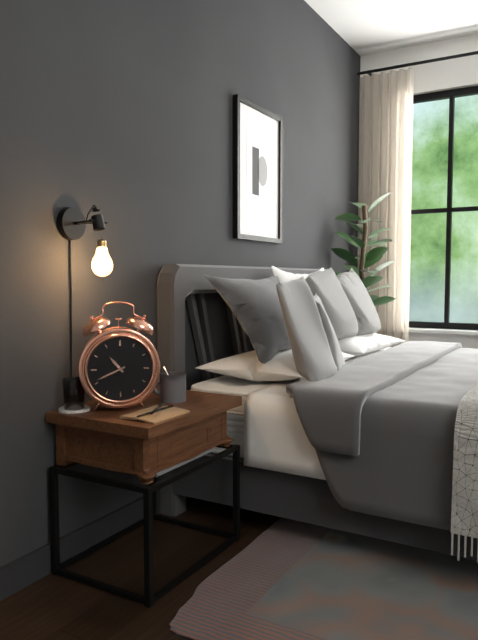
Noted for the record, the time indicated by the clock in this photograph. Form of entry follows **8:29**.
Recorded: **10:41**
